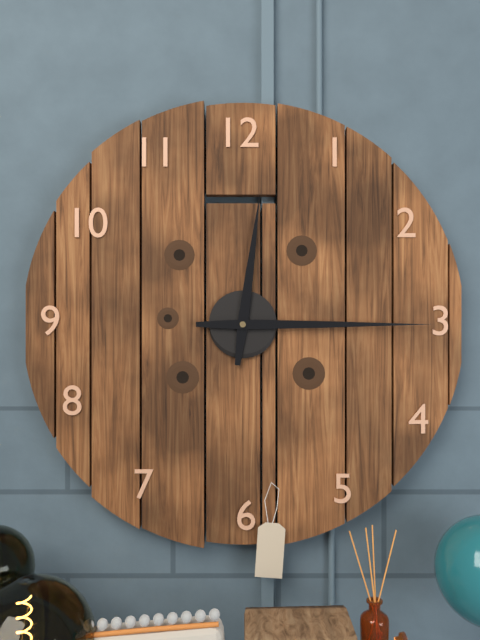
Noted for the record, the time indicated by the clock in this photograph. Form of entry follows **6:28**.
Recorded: **12:15**
